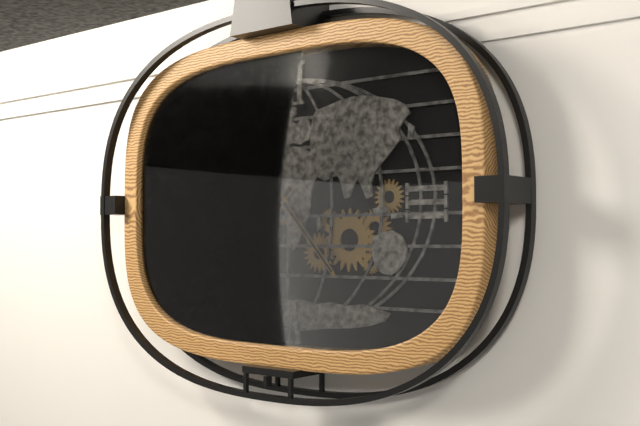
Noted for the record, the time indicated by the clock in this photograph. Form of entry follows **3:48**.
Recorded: **7:23**
